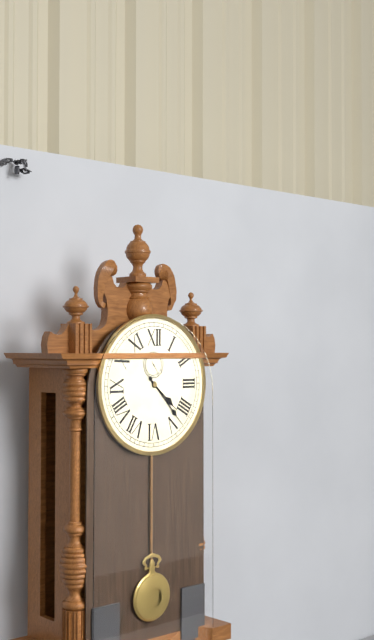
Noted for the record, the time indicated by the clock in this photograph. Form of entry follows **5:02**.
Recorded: **4:23**
